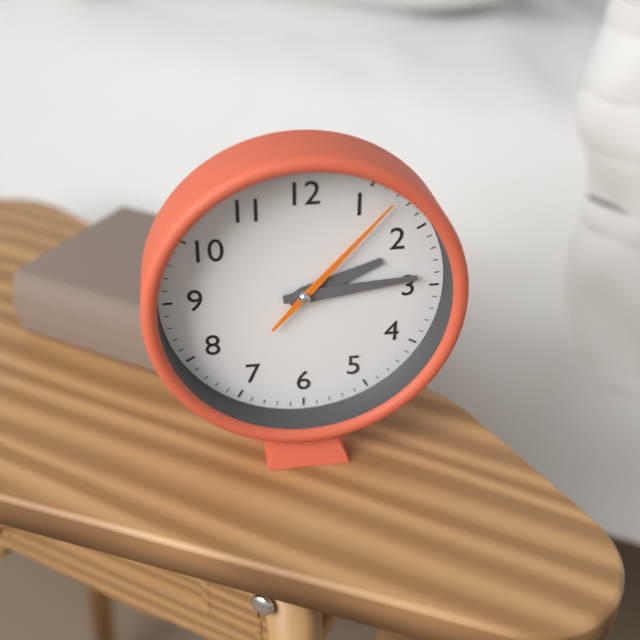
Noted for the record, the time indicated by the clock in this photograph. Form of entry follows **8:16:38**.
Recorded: **2:14:07**
